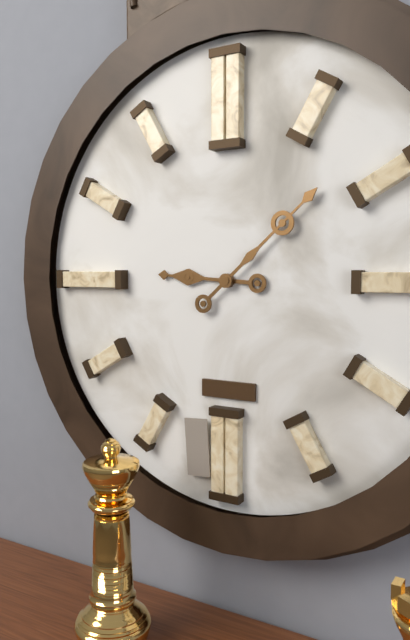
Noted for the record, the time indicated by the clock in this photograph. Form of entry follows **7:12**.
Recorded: **9:08**
